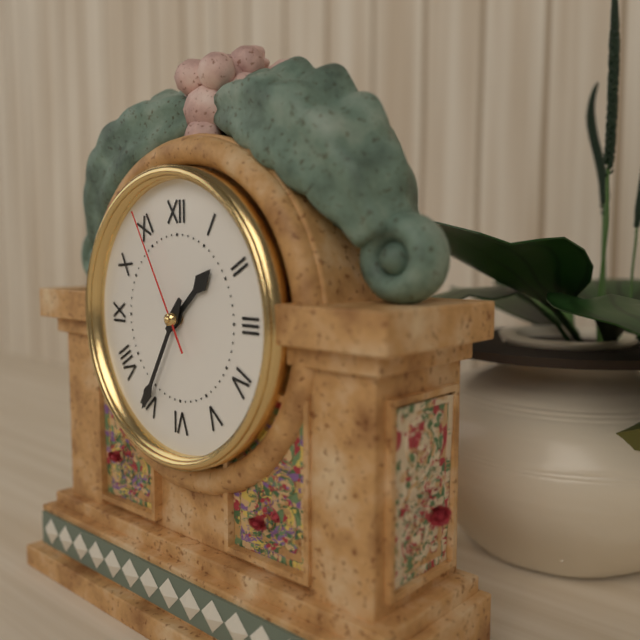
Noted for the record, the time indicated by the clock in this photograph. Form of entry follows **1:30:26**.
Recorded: **1:35:55**
